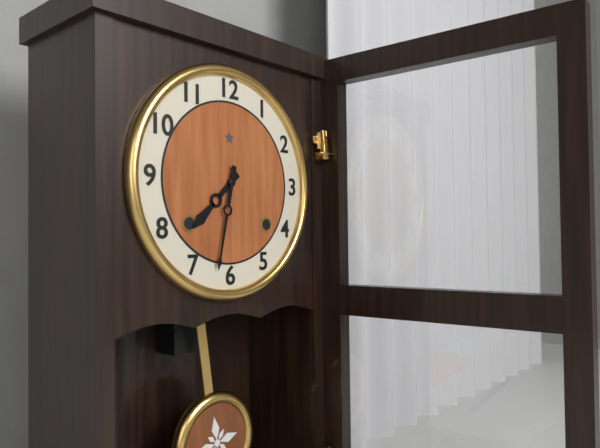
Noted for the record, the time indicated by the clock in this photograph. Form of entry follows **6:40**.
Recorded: **7:32**
